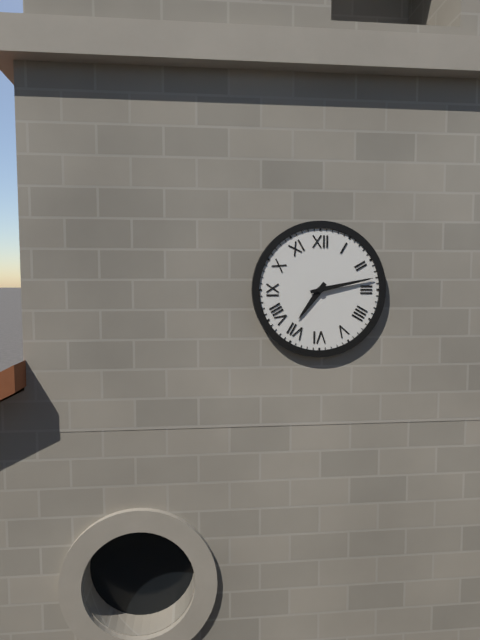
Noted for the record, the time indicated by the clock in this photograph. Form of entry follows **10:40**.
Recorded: **7:13**
